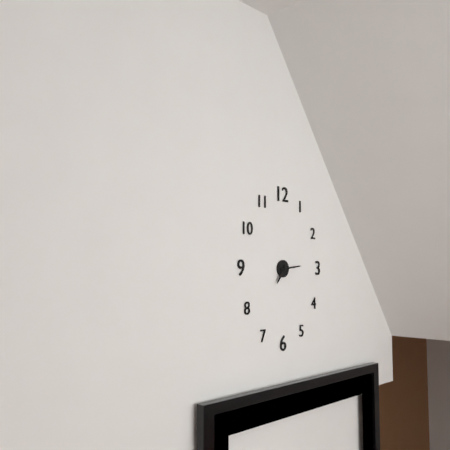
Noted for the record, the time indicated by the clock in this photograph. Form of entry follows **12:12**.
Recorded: **7:14**
